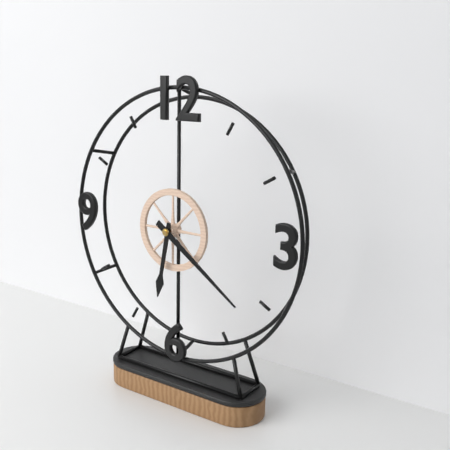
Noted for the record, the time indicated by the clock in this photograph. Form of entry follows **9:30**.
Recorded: **6:21**
